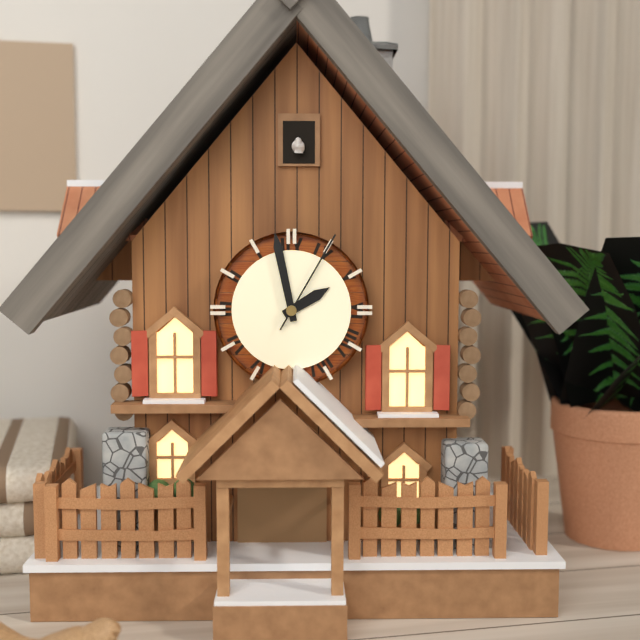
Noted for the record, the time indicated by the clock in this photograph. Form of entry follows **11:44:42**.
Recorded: **1:58:05**
